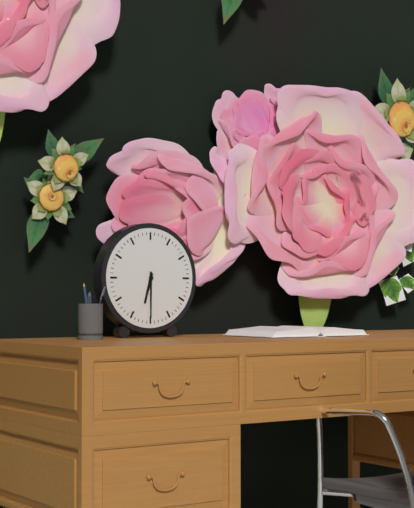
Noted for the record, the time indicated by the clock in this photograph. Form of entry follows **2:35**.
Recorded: **6:30**
